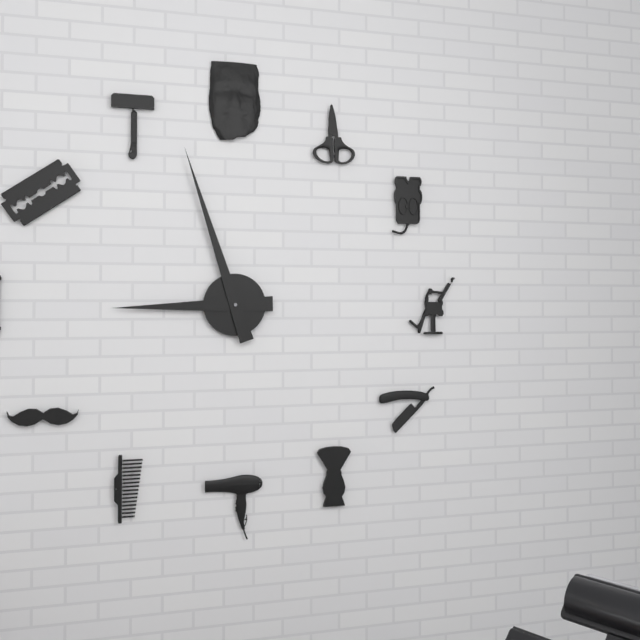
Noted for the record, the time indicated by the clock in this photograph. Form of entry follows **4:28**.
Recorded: **8:57**
